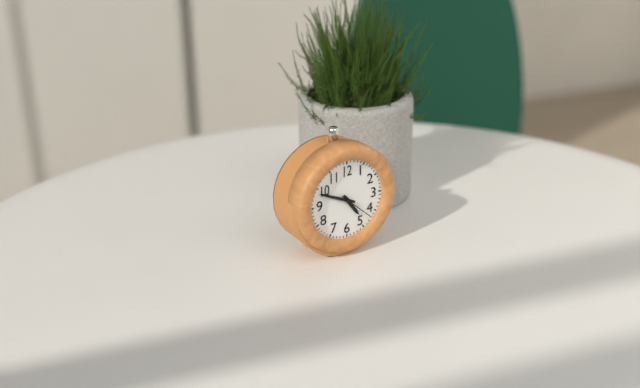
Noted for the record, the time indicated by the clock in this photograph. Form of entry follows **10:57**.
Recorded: **4:49**
